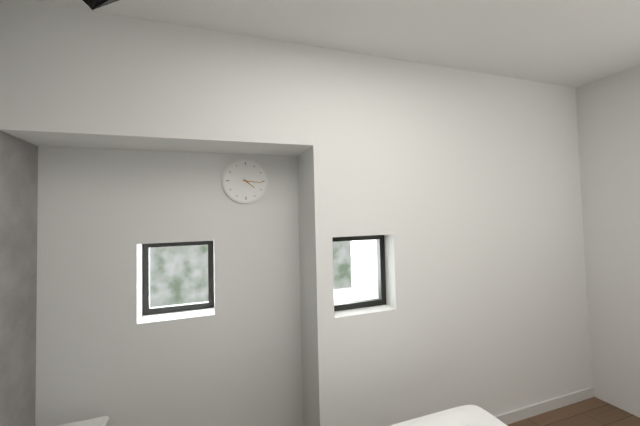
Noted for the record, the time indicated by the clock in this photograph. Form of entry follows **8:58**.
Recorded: **4:16**
